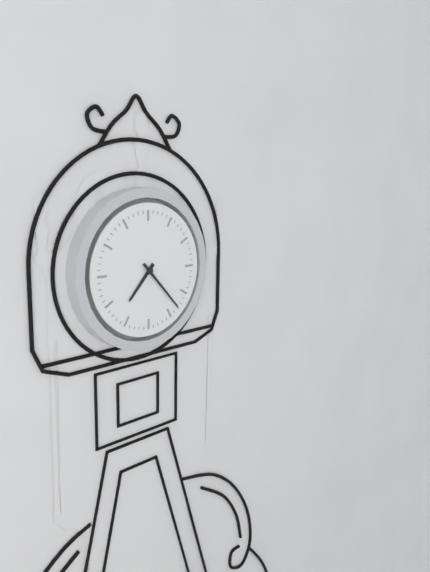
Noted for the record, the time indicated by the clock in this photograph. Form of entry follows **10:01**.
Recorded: **7:23**
